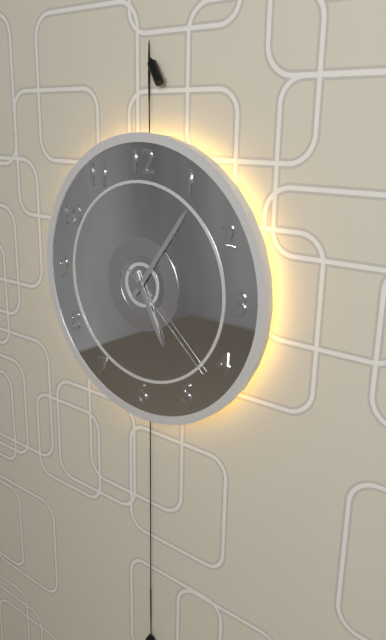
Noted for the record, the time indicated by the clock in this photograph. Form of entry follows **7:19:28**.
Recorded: **5:06:22**
